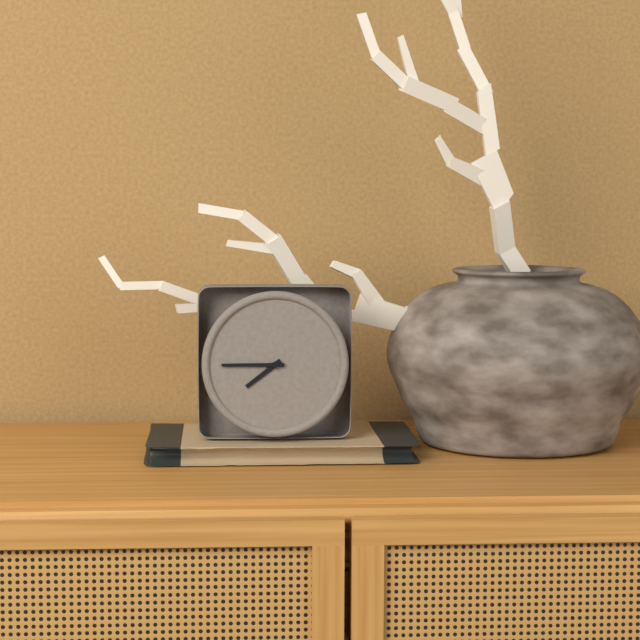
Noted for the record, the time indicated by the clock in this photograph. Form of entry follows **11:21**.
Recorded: **7:45**
